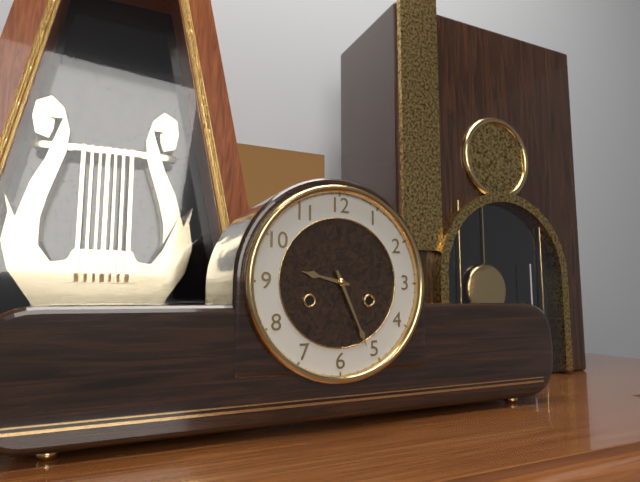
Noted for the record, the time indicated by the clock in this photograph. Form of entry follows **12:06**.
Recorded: **9:26**
